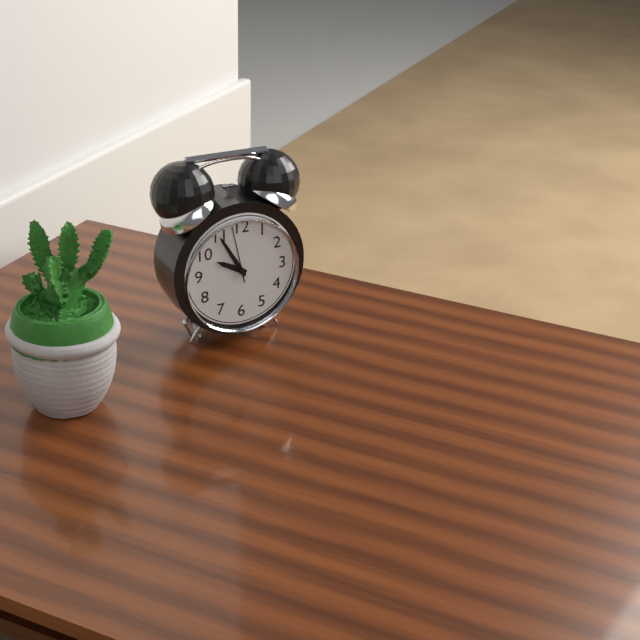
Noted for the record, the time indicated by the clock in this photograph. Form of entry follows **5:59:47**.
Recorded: **9:55:58**
